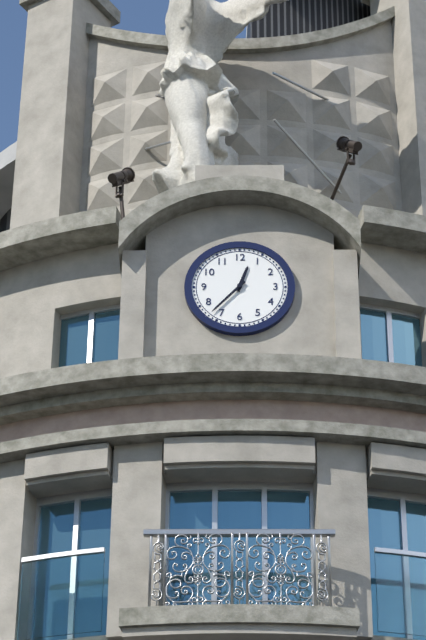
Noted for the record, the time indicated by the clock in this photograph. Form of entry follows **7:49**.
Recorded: **12:37**
